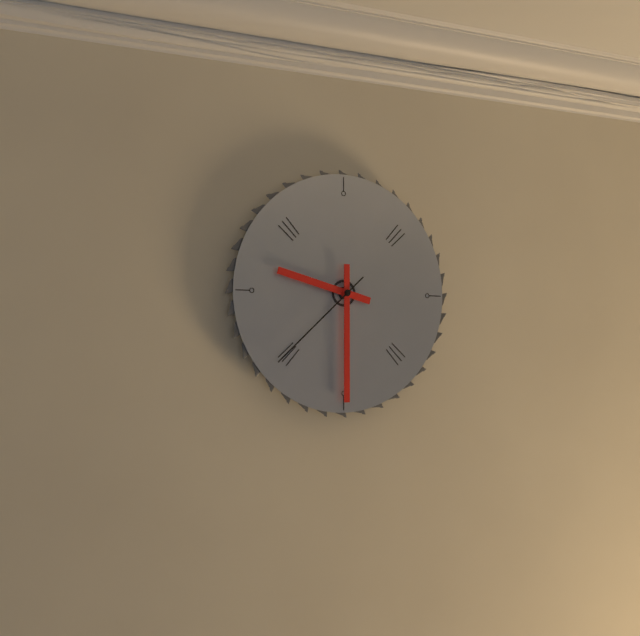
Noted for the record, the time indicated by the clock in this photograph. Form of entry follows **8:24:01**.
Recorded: **9:30:38**
